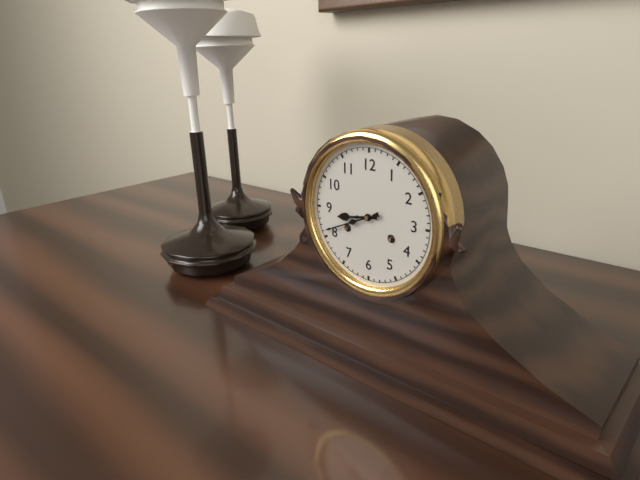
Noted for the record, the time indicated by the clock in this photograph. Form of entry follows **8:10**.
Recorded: **8:41**
